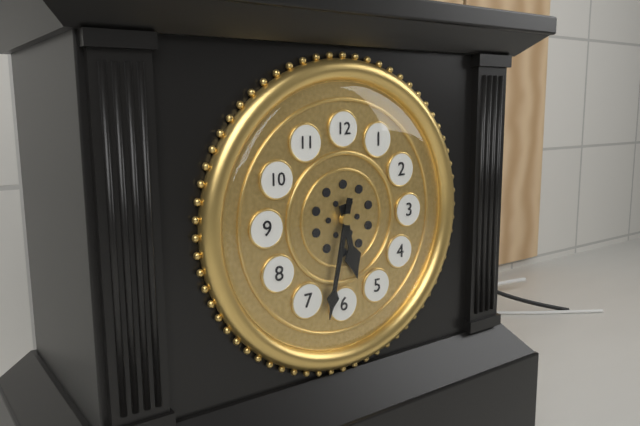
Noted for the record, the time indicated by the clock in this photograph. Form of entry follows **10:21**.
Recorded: **5:32**
